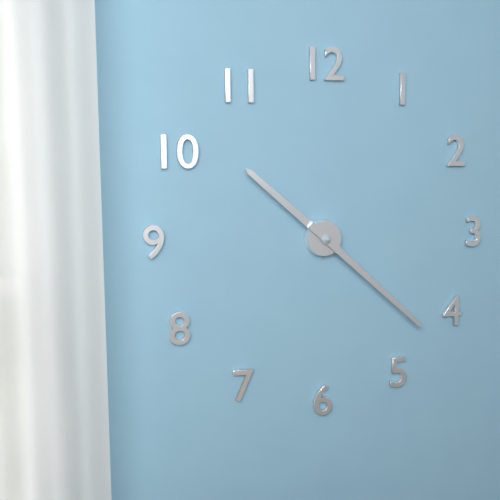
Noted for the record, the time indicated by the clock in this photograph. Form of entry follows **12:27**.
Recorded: **10:22**
